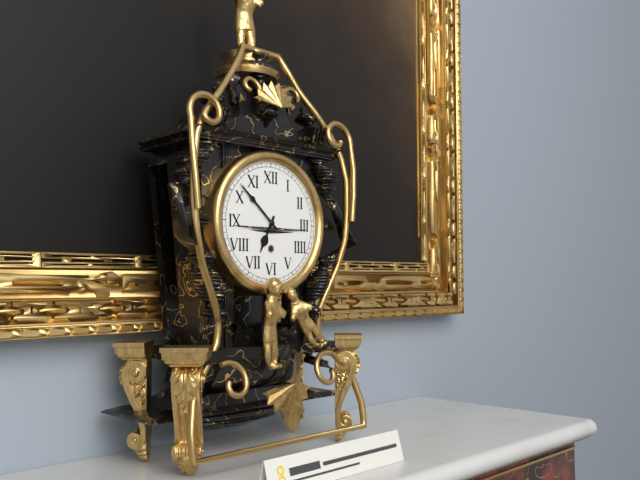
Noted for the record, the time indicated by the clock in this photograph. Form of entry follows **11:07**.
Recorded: **6:52**
